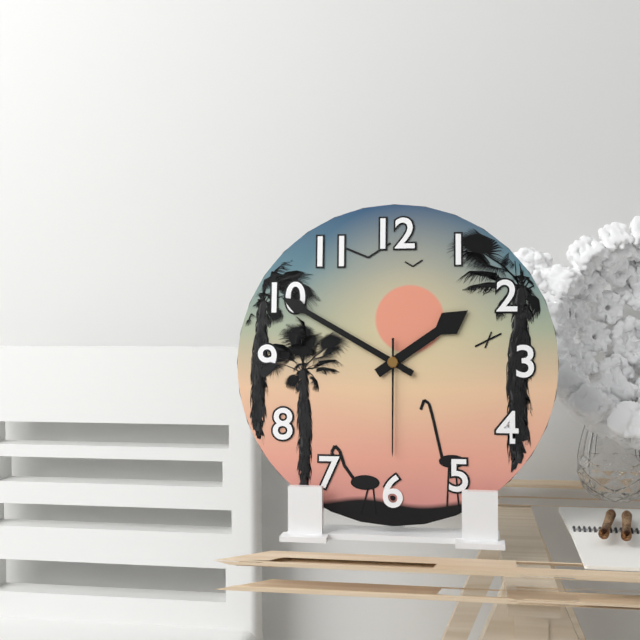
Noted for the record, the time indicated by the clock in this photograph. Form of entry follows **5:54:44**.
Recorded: **1:50:30**
